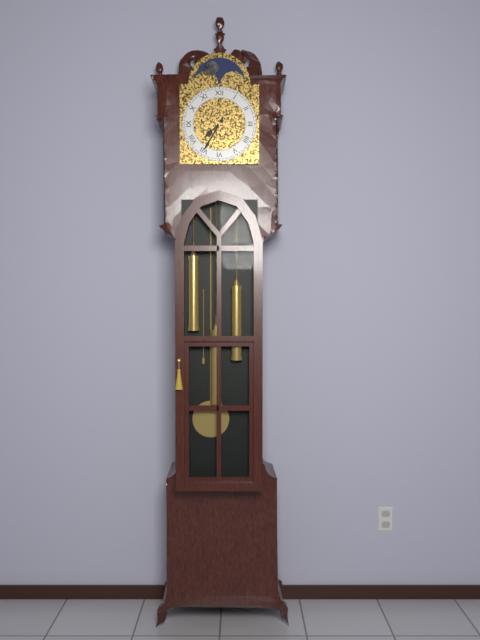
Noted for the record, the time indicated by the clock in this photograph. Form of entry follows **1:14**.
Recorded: **7:35**
